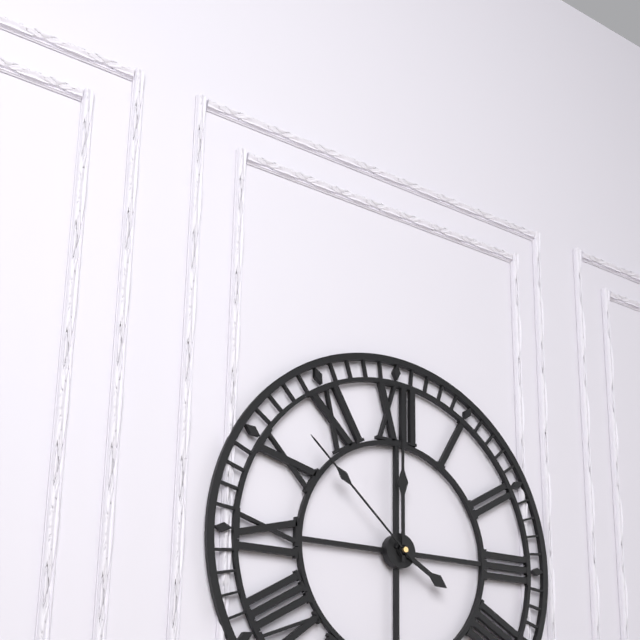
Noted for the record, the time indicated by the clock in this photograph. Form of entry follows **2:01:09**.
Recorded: **4:00:52**
